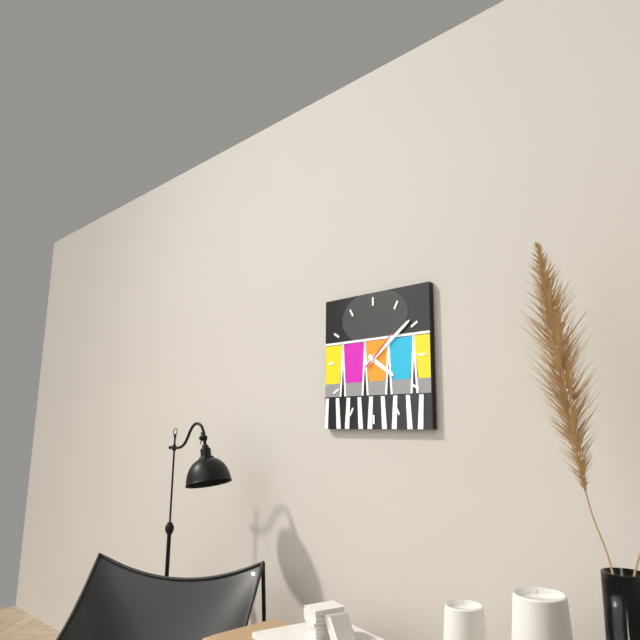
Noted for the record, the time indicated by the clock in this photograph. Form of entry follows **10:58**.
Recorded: **4:09**
